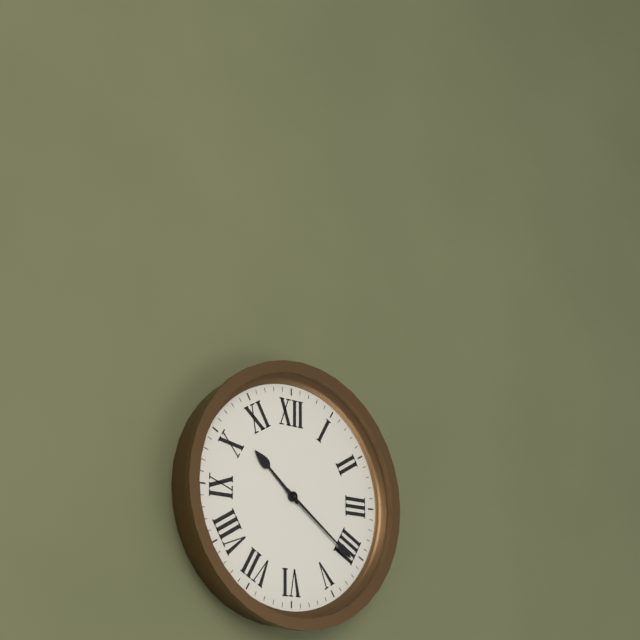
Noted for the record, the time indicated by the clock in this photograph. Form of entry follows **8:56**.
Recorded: **10:21**
